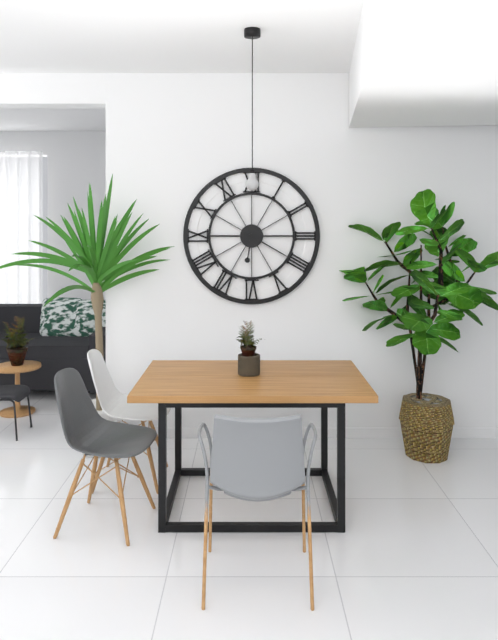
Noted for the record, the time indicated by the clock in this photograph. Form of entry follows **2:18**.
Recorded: **6:20**
